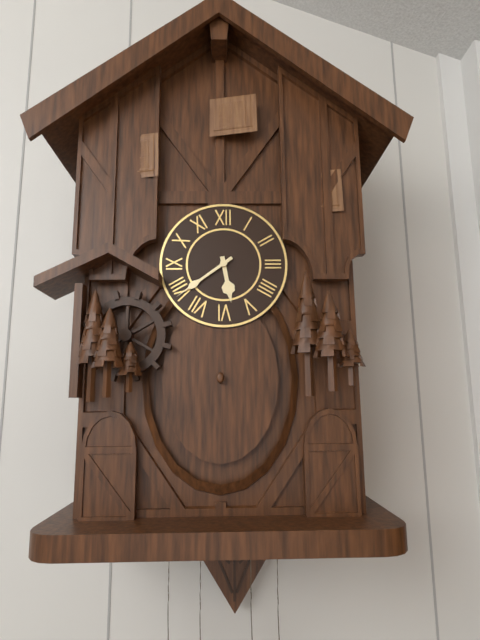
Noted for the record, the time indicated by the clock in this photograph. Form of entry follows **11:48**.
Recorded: **5:39**
